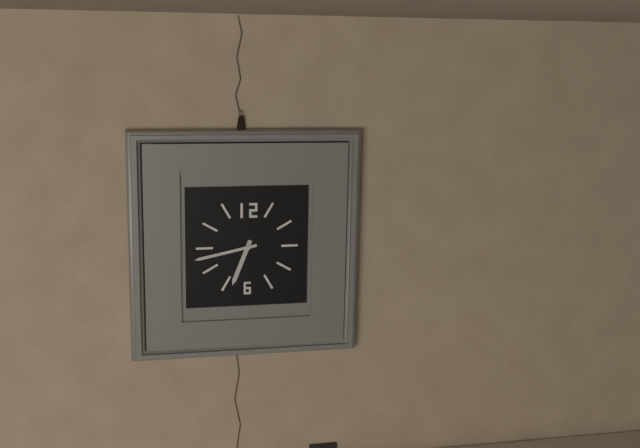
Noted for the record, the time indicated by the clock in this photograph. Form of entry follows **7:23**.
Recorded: **6:43**
